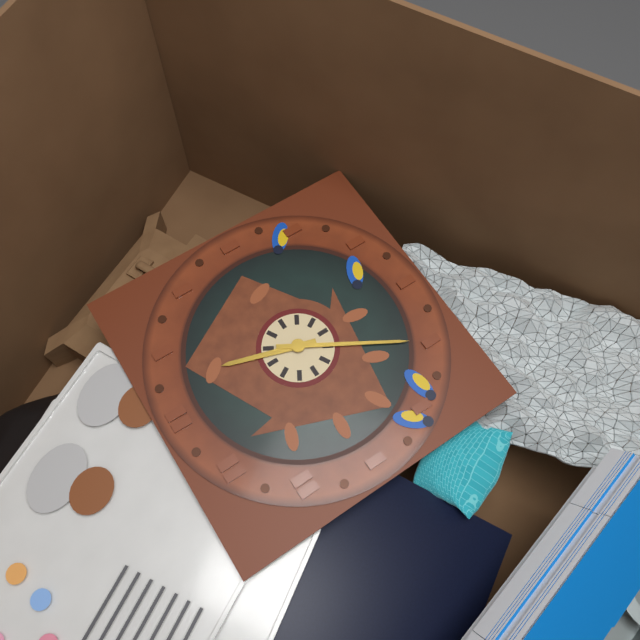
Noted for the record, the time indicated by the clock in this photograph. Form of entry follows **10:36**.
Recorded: **12:35**
